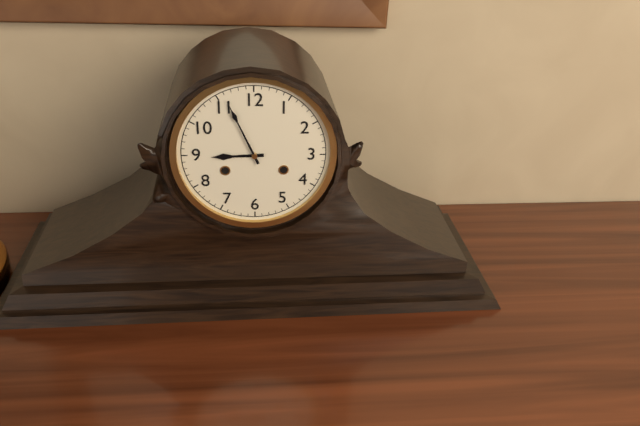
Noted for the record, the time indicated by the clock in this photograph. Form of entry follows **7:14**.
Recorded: **8:56**
